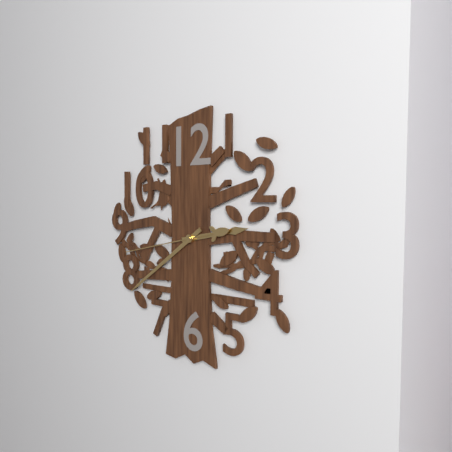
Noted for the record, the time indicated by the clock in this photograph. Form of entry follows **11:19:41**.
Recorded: **2:39:43**
